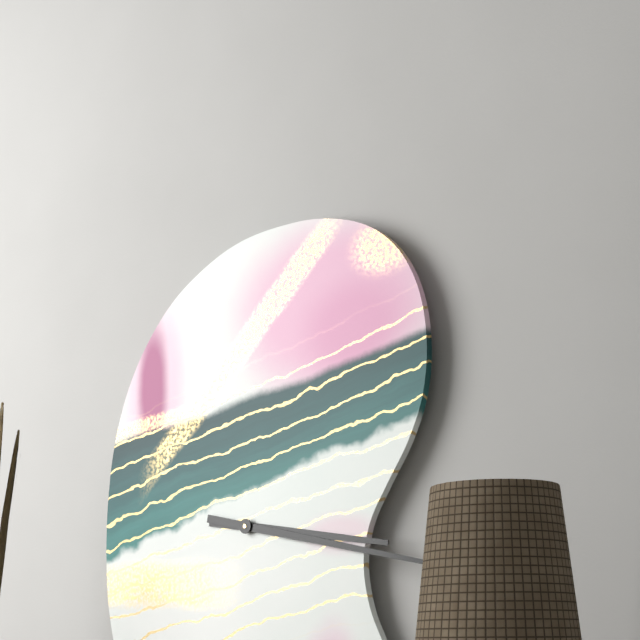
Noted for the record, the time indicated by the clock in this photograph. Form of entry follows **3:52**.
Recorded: **3:17**
